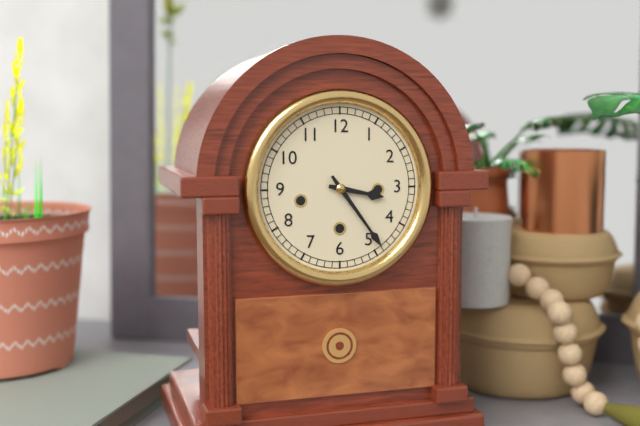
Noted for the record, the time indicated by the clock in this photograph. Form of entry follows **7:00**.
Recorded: **3:24**
